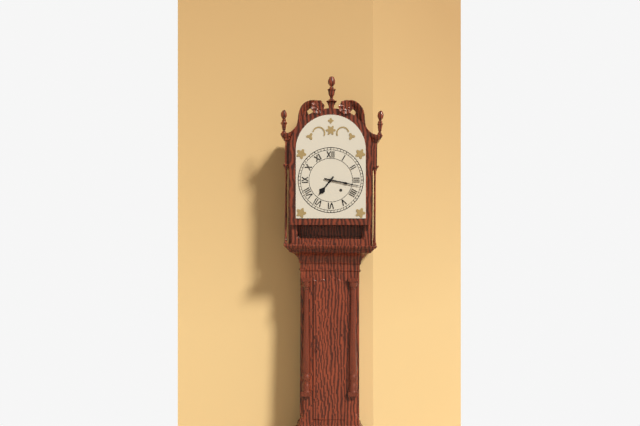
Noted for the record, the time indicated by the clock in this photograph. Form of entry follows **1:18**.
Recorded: **7:17**
